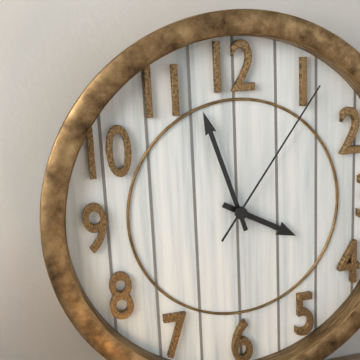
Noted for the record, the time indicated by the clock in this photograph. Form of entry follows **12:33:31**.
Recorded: **3:57:06**
